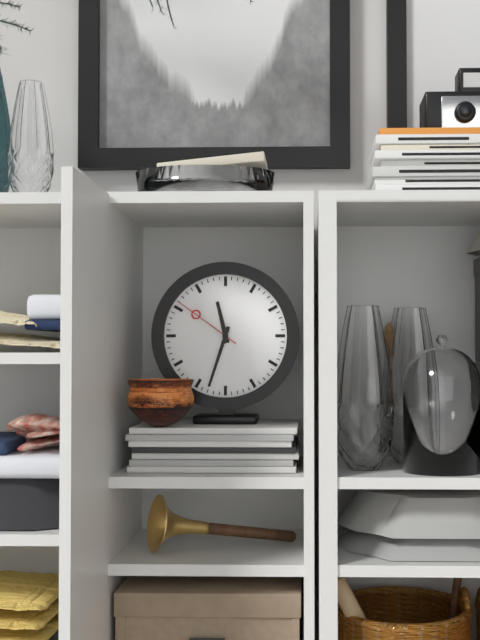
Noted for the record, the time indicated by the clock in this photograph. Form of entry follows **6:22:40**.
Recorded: **11:33:51**
